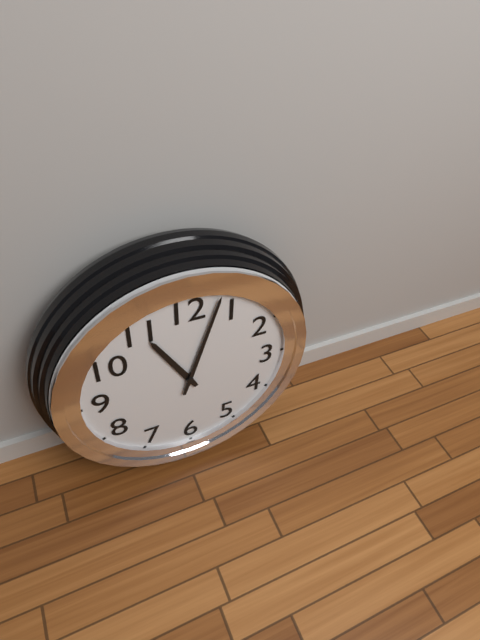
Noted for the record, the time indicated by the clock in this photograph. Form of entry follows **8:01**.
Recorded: **11:03**
